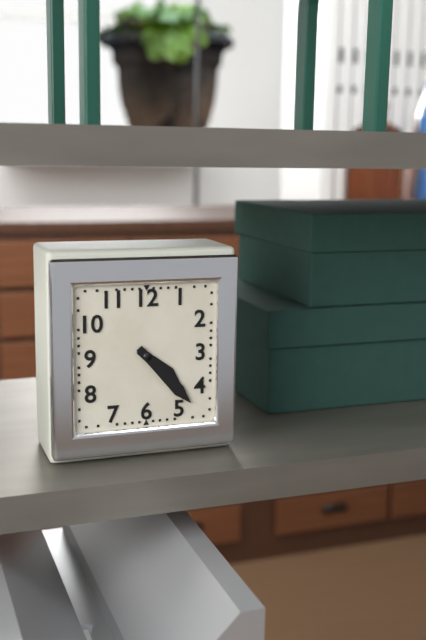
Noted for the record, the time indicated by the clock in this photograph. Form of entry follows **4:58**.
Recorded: **4:23**
